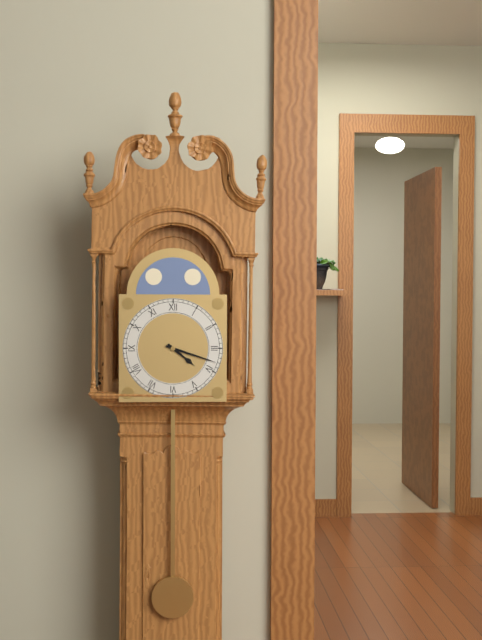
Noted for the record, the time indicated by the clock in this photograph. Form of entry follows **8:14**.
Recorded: **4:18**
